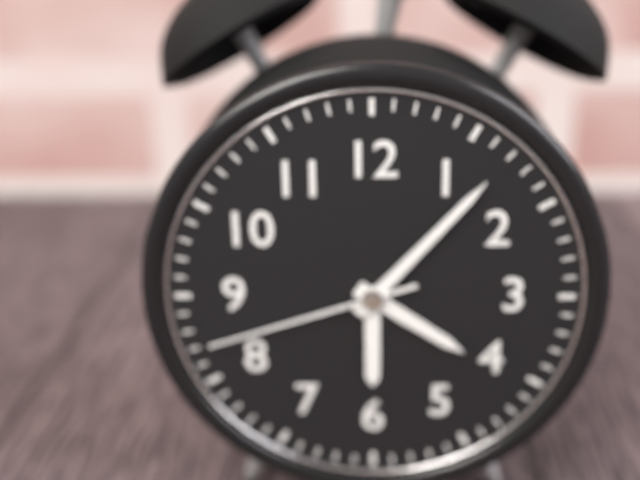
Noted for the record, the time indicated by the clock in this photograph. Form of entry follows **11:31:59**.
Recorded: **4:07:42**
